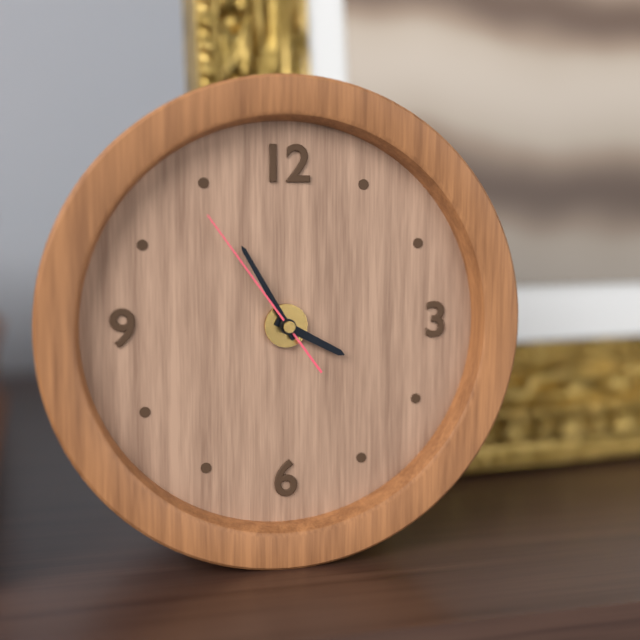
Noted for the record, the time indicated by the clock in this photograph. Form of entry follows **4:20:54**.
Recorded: **3:55:54**
